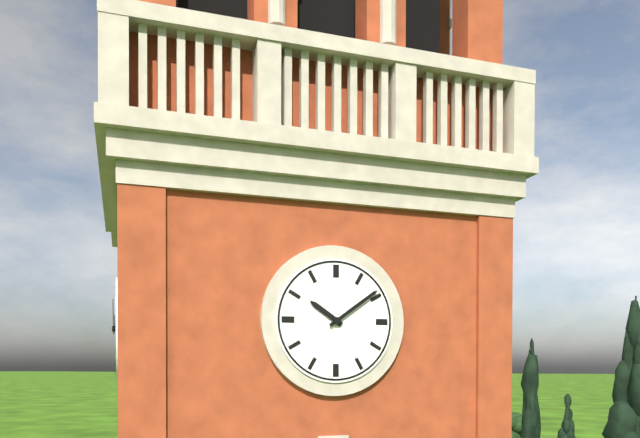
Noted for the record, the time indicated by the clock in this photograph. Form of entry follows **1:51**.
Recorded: **10:09**
